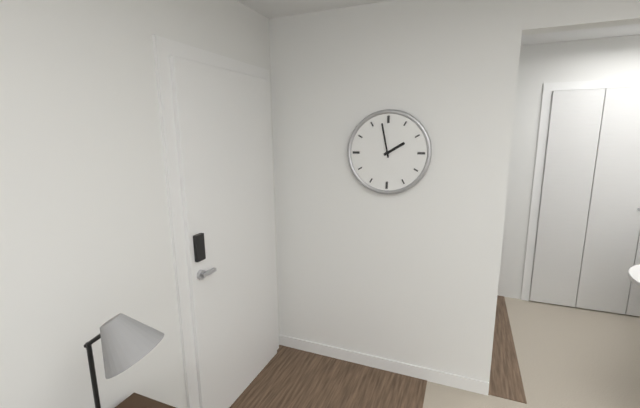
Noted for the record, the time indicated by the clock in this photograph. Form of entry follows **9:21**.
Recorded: **1:58**
